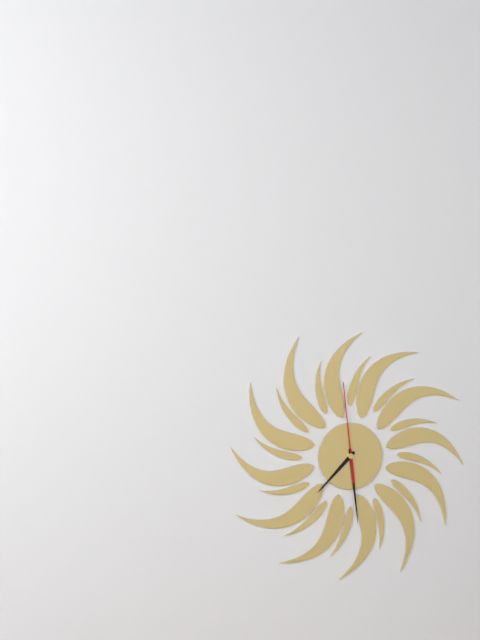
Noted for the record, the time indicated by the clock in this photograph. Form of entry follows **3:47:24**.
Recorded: **7:29:59**
